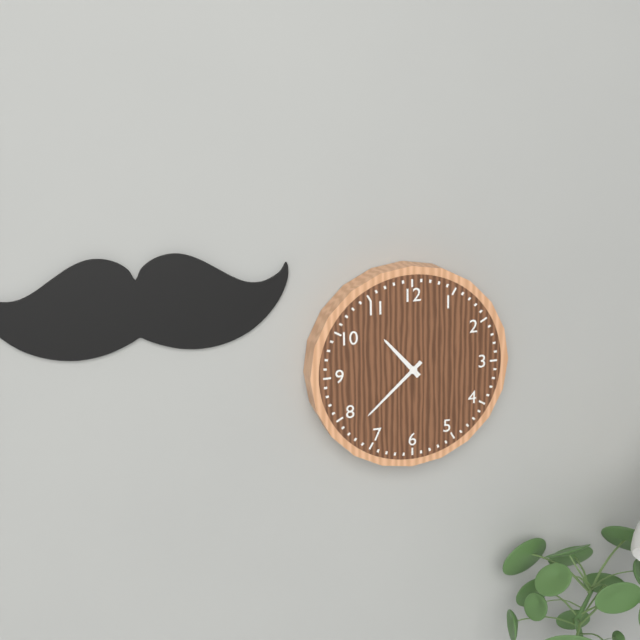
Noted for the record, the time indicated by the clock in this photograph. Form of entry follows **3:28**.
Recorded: **10:38**
